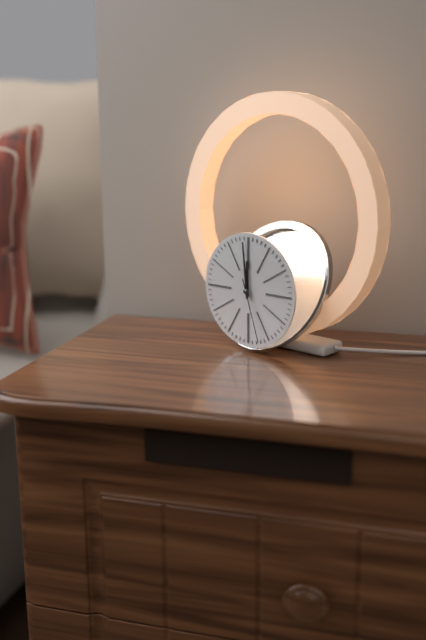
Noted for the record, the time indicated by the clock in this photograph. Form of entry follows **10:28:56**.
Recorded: **11:59:27**
